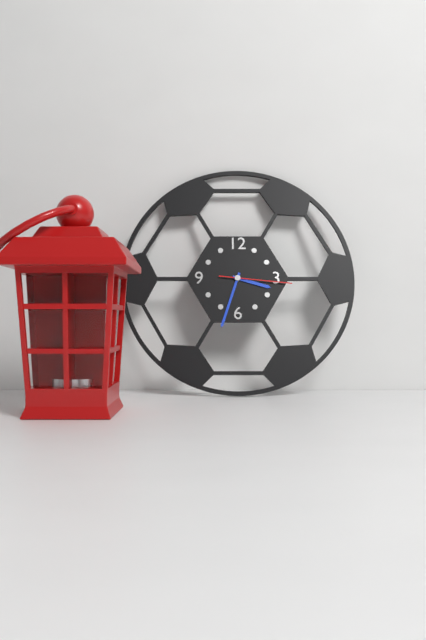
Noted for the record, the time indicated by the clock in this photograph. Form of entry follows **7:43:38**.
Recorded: **3:33:16**
